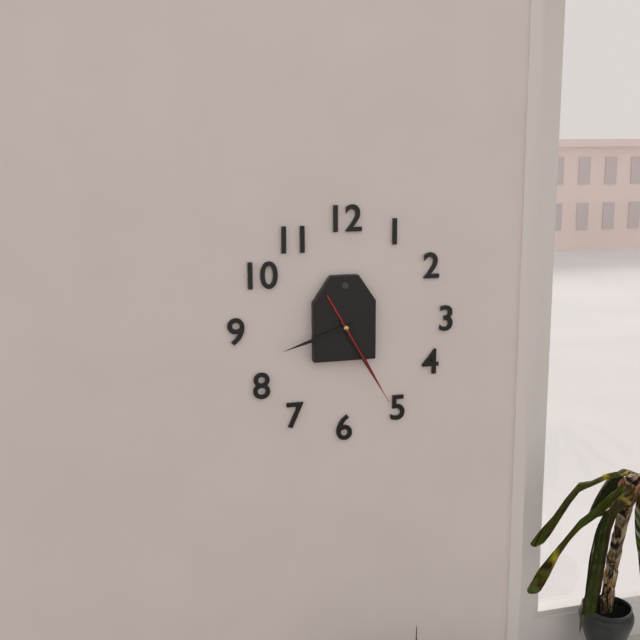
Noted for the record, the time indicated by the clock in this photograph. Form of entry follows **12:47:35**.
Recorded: **8:25:25**
